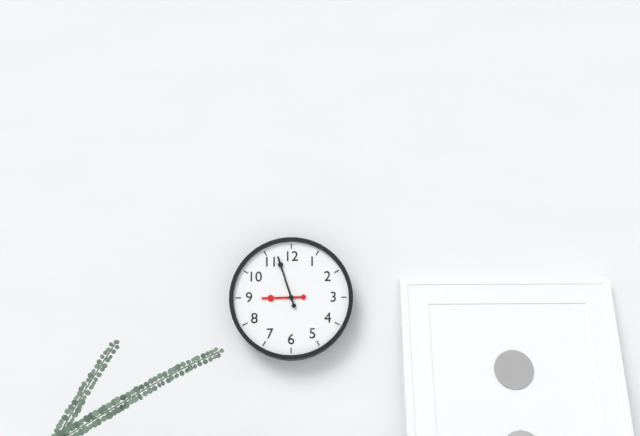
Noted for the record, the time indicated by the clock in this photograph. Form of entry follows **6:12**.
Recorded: **8:57**
